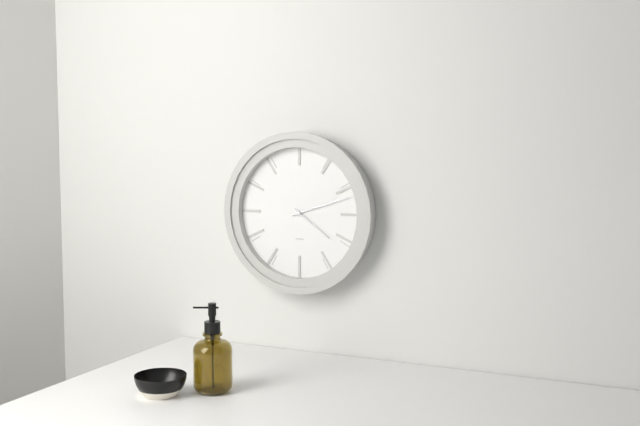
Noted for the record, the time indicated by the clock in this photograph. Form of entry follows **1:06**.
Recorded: **4:12**
